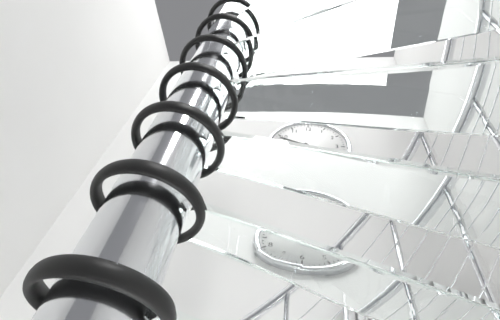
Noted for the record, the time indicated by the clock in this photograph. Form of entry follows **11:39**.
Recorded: **4:49**
